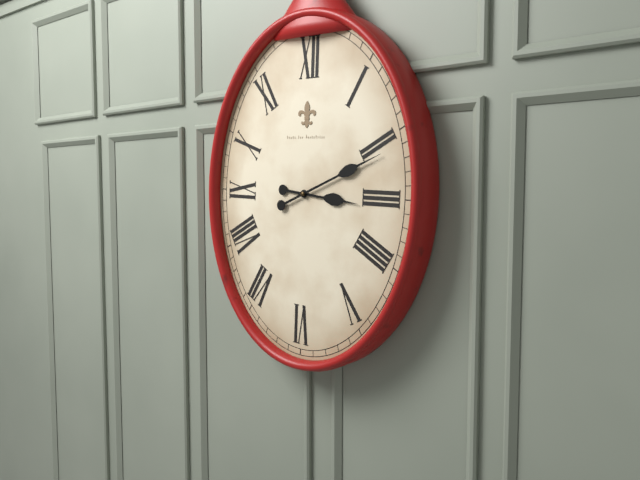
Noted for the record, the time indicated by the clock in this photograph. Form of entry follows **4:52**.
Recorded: **3:11**
